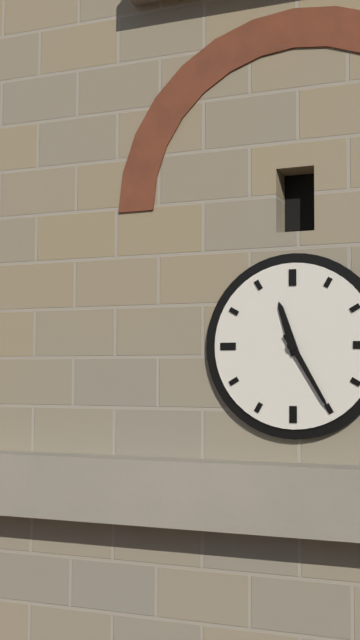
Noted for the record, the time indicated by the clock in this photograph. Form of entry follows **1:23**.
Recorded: **11:25**
